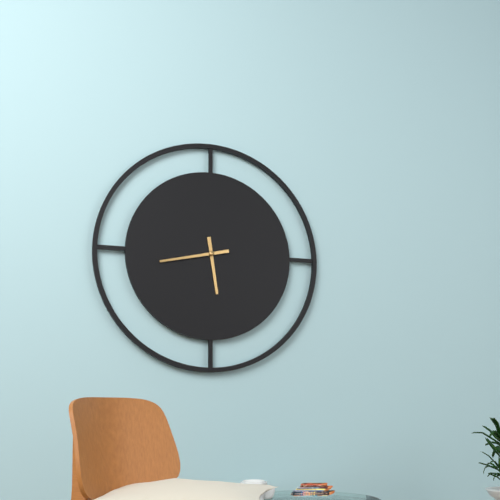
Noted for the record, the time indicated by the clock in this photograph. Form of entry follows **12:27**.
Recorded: **5:43**
